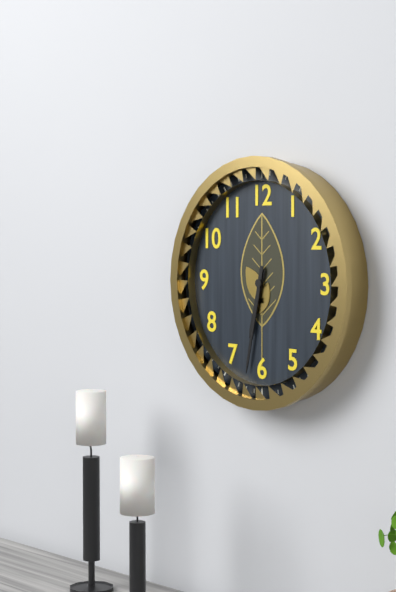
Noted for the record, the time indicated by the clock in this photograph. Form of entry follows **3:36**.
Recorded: **6:32**
